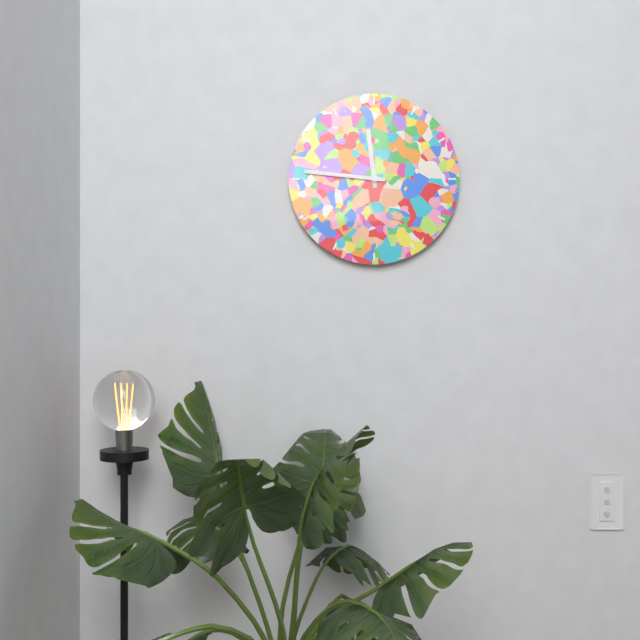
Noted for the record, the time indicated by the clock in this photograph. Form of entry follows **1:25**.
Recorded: **11:46**
